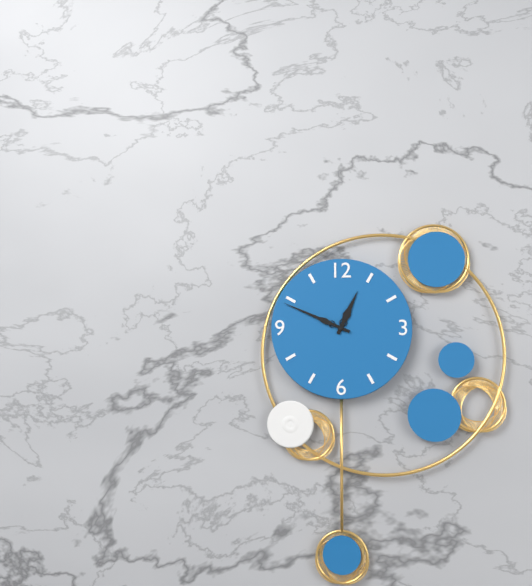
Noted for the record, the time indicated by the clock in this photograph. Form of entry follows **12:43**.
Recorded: **12:49**
